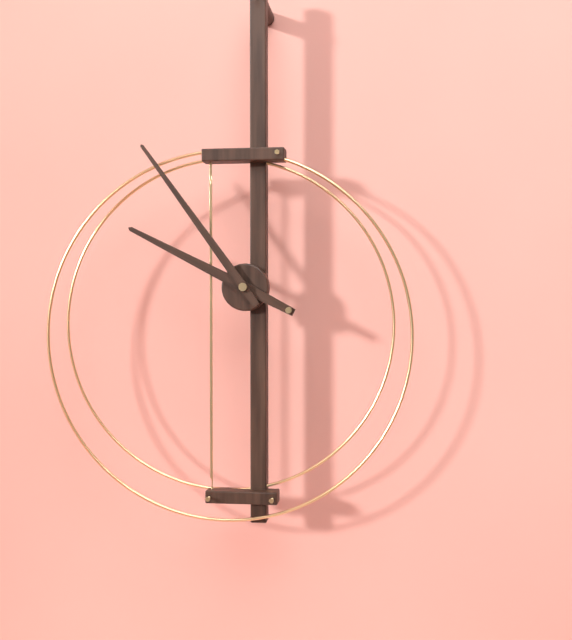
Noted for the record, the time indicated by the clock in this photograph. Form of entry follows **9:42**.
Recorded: **9:54**
